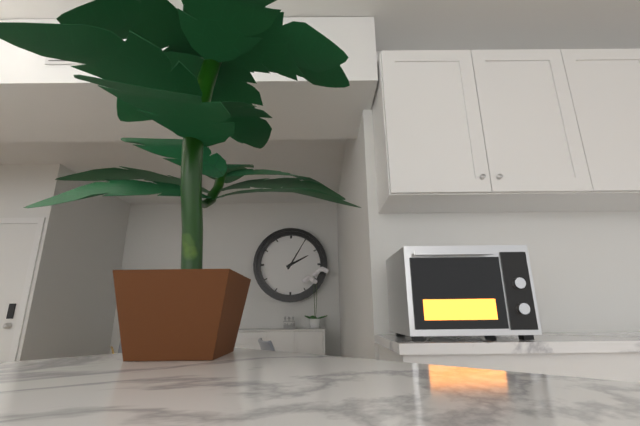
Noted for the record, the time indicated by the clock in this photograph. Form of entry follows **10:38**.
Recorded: **2:05**
